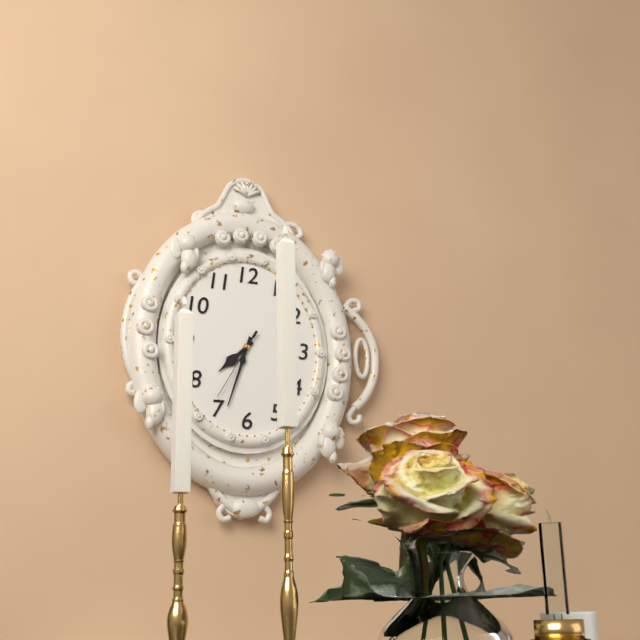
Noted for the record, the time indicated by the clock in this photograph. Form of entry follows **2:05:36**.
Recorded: **7:33:35**
